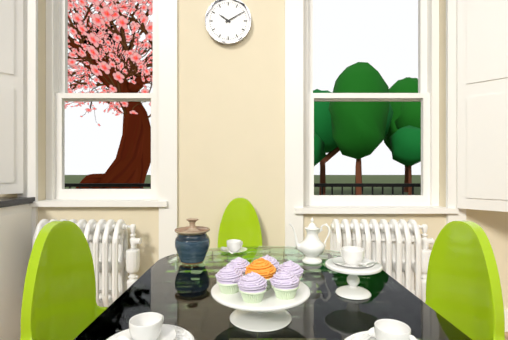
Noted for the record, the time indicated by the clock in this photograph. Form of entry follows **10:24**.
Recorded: **10:10**
